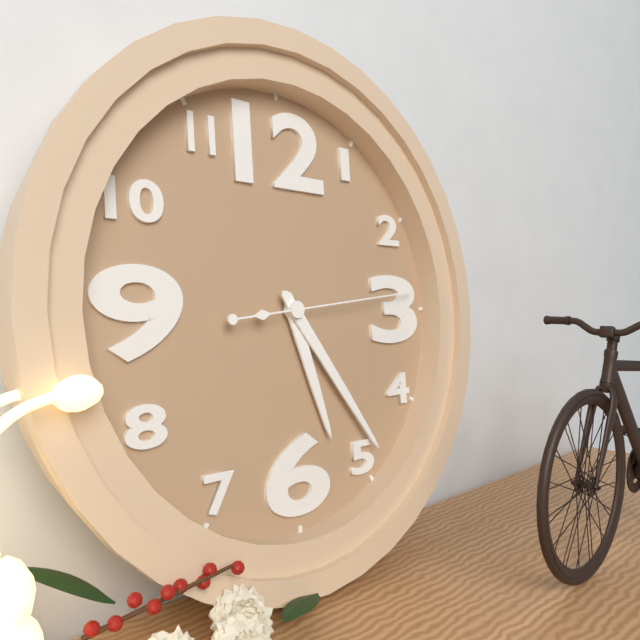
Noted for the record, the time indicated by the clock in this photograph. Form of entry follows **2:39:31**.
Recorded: **5:24:14**
